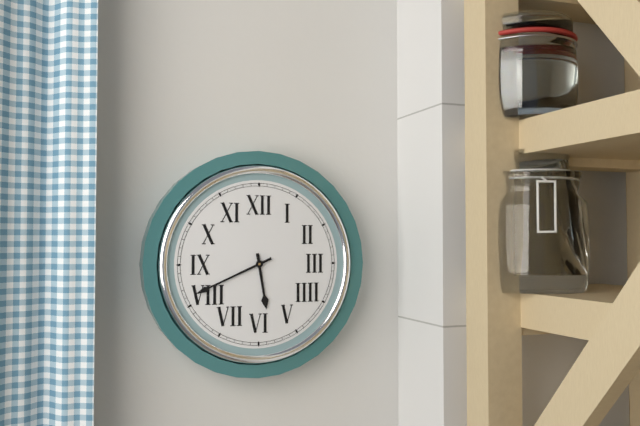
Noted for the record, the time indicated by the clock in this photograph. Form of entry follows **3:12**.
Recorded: **5:41**
